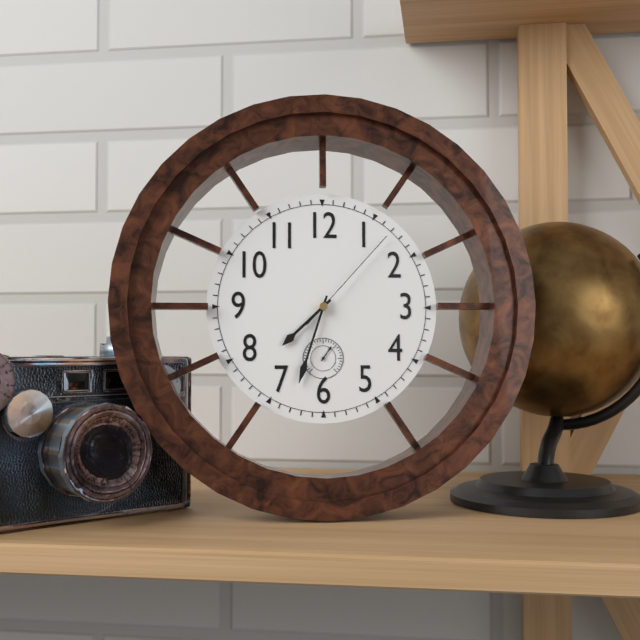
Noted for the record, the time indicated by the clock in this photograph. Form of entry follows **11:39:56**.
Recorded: **7:33:07**
